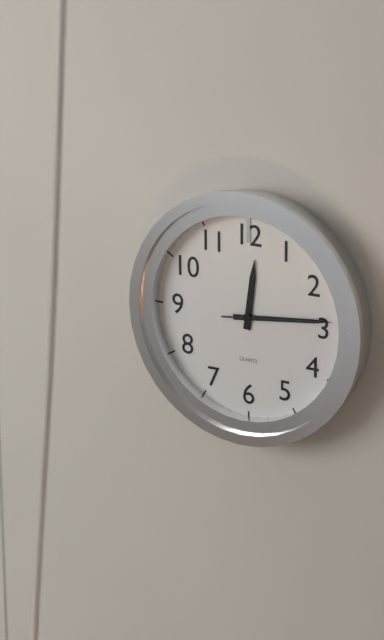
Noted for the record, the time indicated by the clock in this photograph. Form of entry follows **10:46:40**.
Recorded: **12:14:14**
